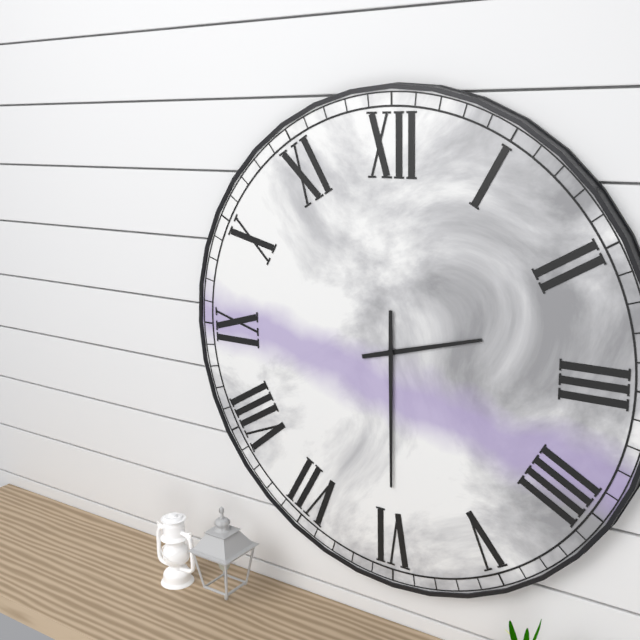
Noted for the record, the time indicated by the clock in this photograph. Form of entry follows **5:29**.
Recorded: **2:30**
